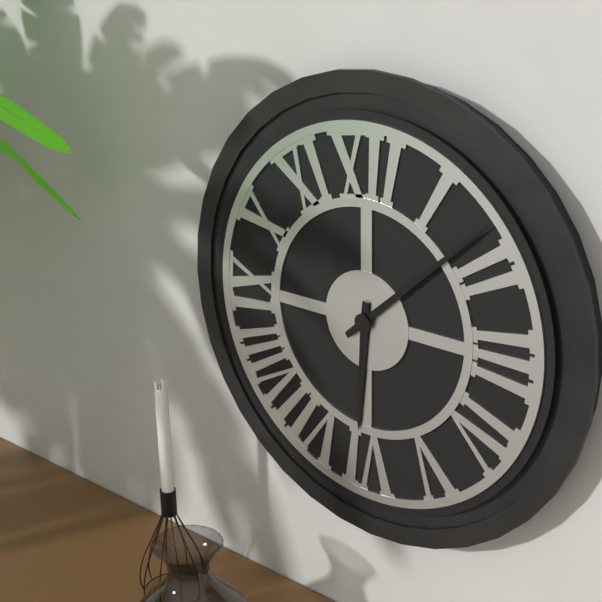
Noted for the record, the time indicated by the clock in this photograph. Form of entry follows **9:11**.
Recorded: **6:08**
